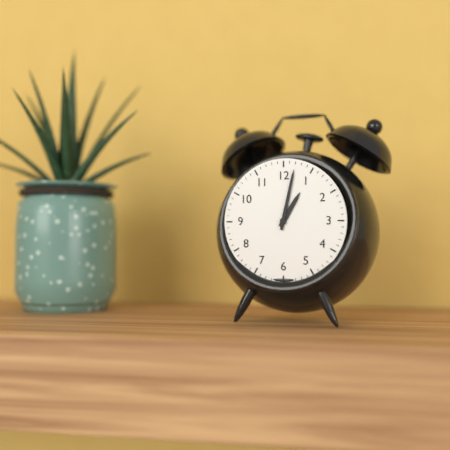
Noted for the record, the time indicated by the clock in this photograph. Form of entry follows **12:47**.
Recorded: **1:02**
